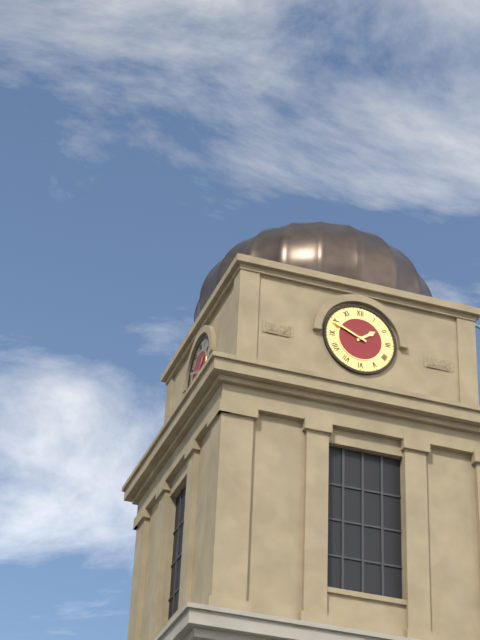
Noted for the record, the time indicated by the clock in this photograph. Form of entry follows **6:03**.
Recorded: **1:49**
